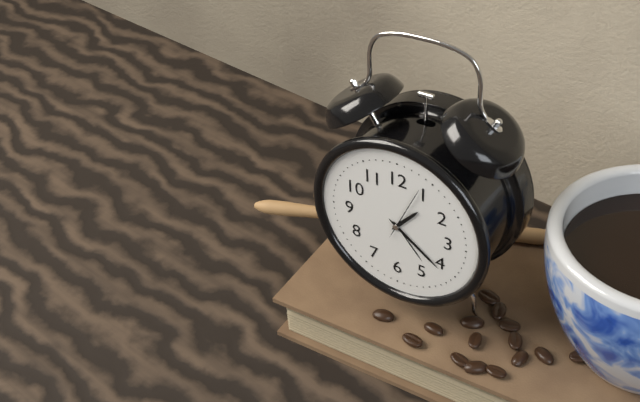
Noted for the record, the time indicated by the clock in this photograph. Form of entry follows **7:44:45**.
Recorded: **1:21:04**
